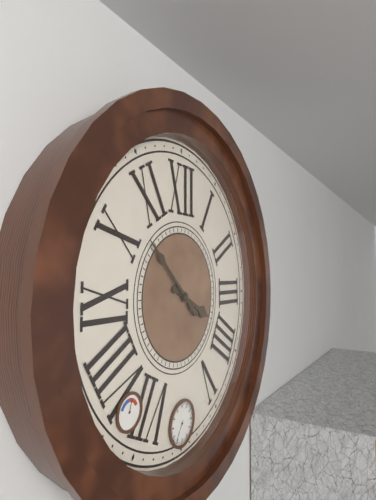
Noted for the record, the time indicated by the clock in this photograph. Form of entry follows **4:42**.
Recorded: **3:52**
